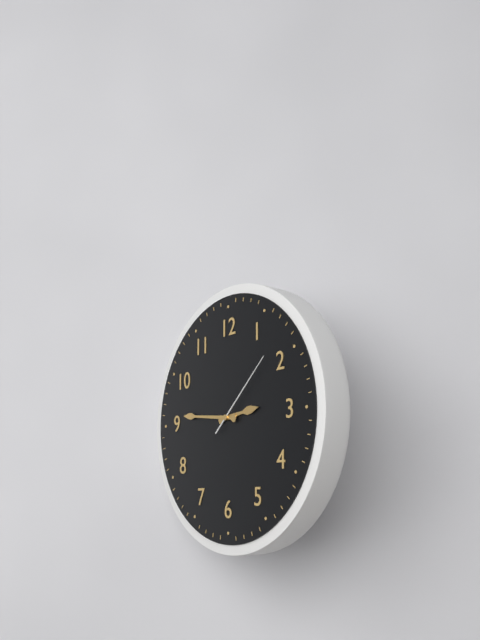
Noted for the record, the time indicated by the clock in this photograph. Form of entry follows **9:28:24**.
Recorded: **2:46:08**
